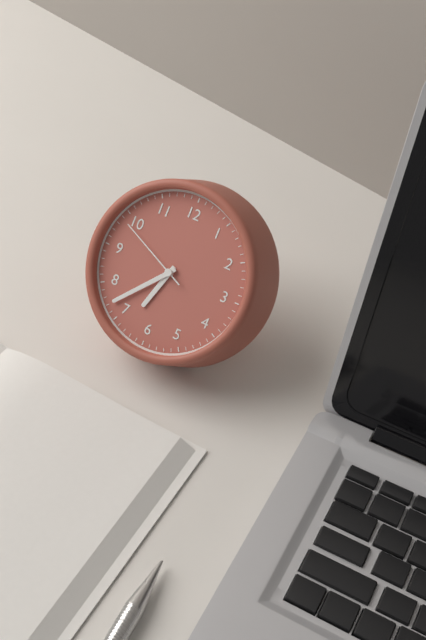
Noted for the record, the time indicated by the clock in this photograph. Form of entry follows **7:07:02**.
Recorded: **6:37:49**
